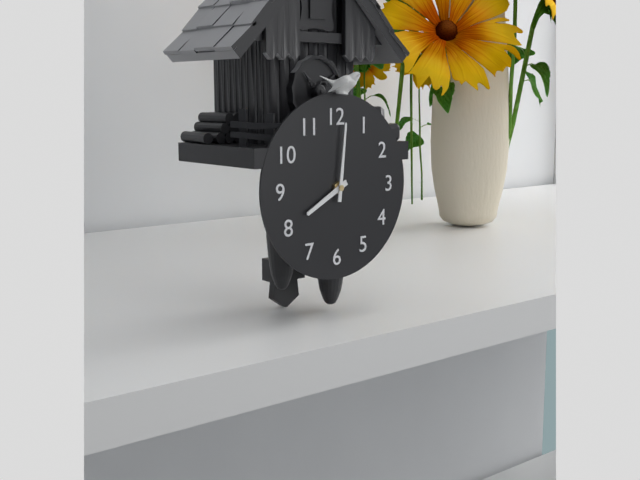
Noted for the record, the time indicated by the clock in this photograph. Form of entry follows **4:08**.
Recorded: **8:01**
